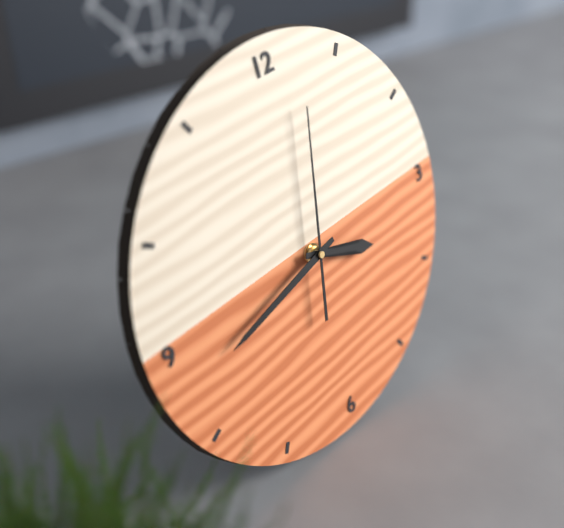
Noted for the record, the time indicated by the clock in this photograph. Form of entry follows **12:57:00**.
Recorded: **3:43:02**
